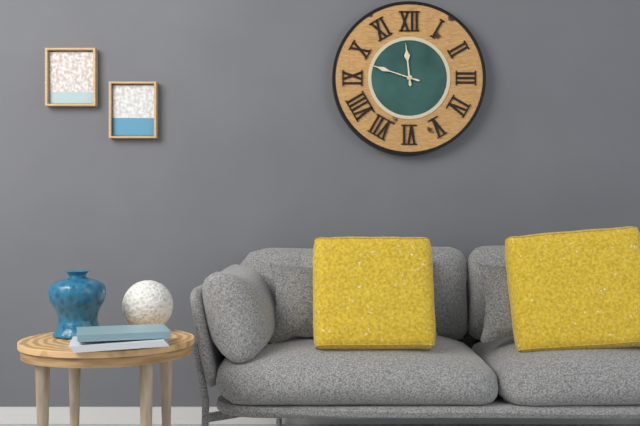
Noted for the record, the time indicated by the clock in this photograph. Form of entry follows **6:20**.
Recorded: **11:48**
